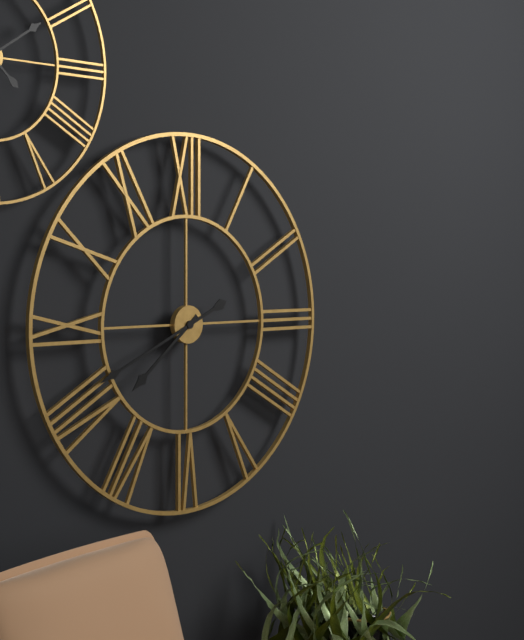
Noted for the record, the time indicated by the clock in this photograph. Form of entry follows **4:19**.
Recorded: **7:41**
